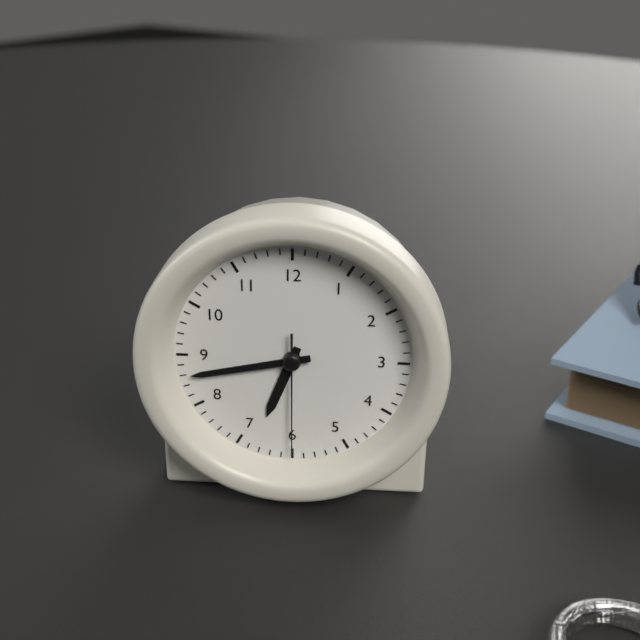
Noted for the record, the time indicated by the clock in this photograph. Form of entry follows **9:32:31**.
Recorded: **6:43:30**
